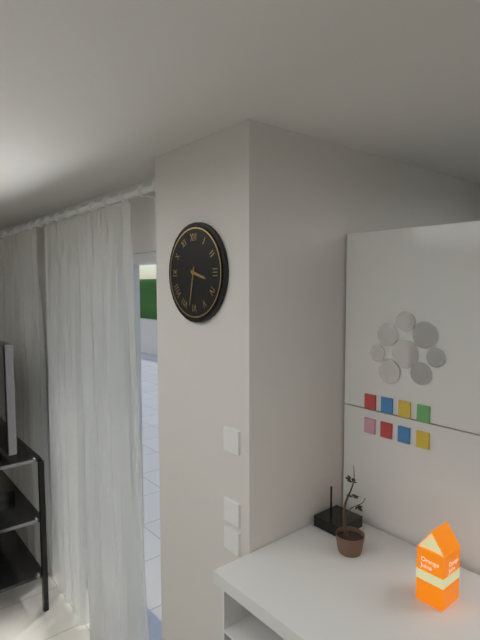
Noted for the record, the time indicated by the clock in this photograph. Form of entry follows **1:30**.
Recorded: **3:32**
